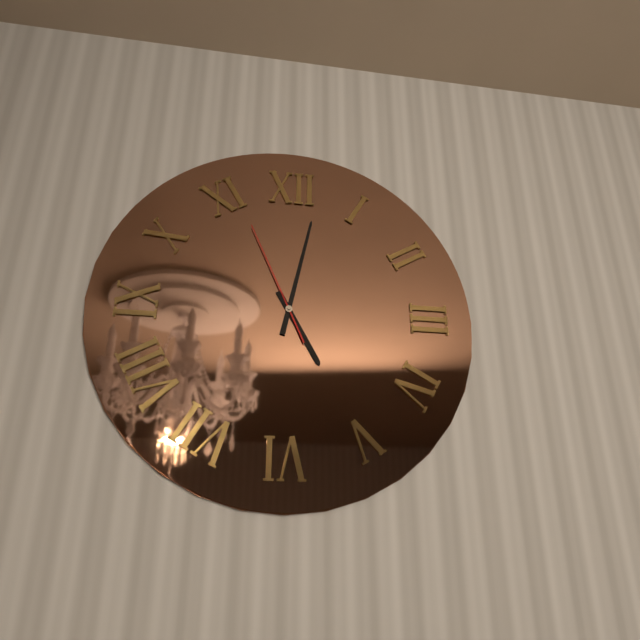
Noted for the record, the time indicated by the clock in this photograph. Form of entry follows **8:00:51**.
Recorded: **5:02:56**
